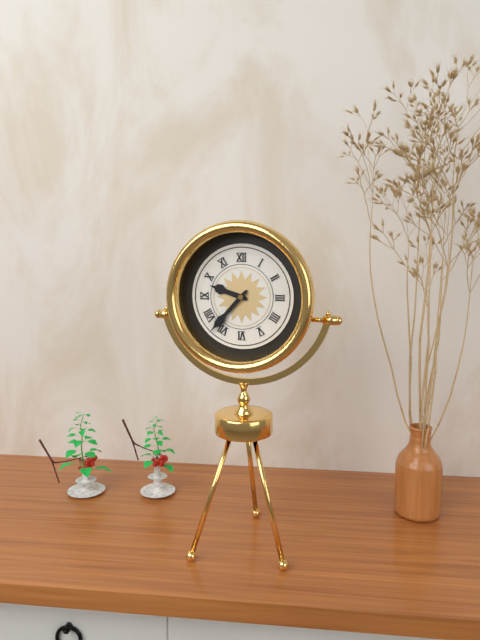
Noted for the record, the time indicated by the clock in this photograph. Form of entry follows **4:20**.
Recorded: **9:37**
